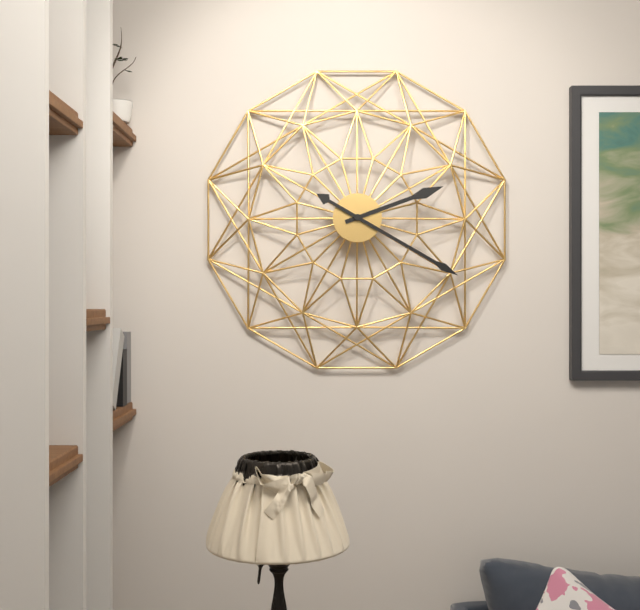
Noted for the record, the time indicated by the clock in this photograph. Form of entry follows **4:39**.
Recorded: **2:20**
